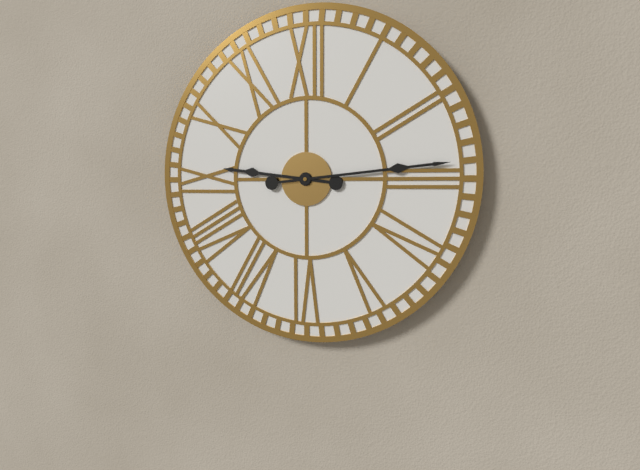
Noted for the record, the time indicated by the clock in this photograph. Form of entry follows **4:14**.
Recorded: **9:14**
